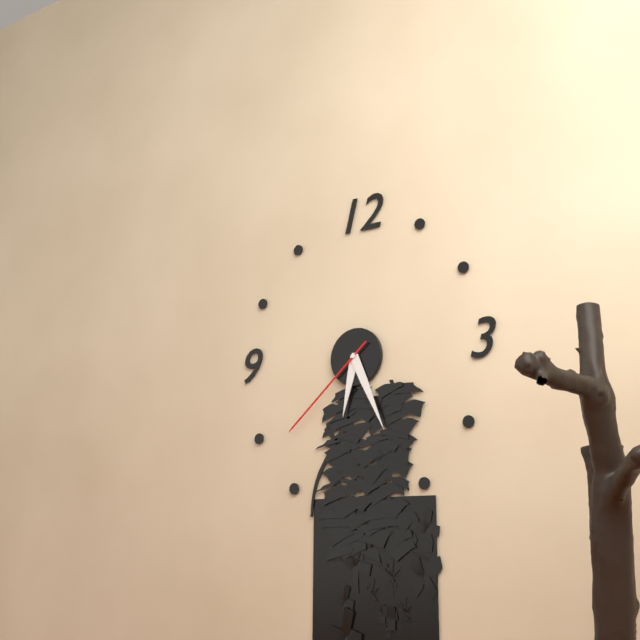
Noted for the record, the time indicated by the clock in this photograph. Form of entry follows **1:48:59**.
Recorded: **6:26:38**
